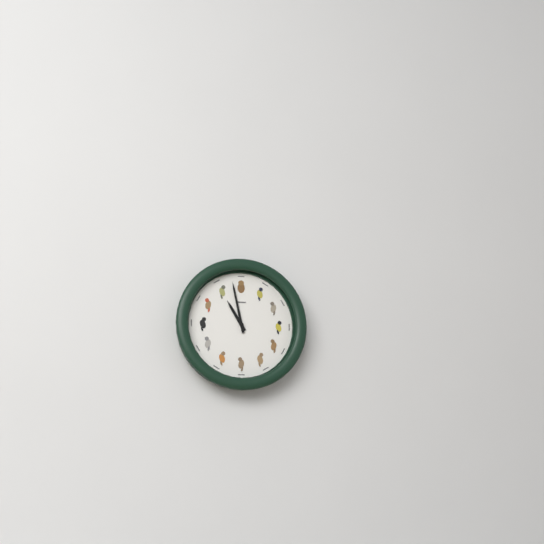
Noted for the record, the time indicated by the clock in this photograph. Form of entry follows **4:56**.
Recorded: **10:58**
